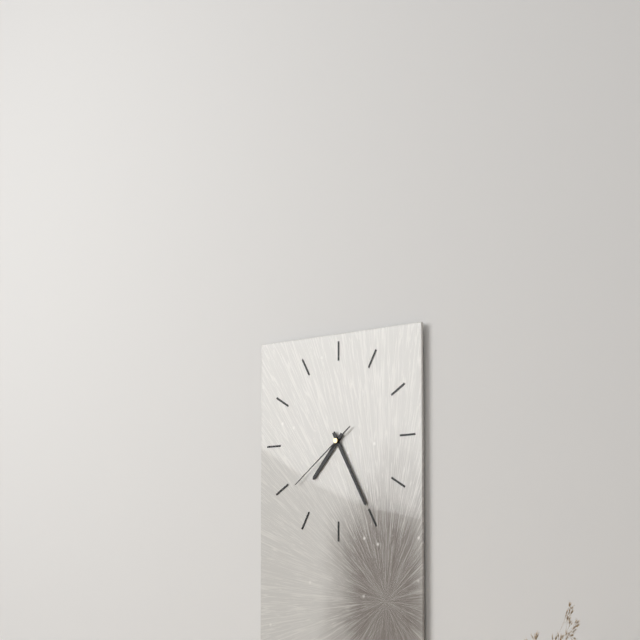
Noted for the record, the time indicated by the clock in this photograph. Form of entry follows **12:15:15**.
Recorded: **7:25:39**
